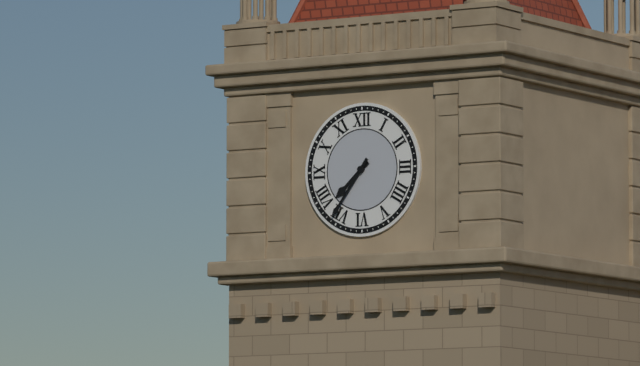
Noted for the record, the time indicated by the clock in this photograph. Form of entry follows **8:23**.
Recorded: **7:36**
